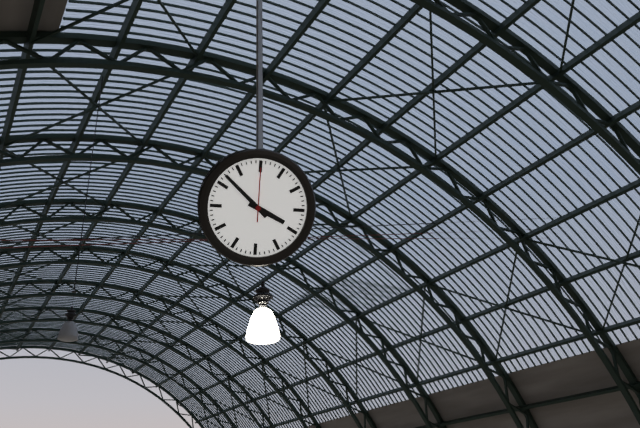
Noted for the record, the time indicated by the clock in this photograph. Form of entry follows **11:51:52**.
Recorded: **3:52:00**
